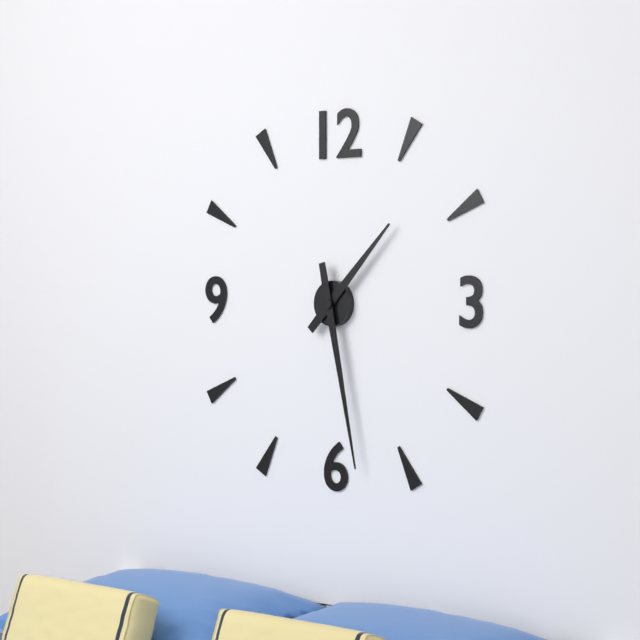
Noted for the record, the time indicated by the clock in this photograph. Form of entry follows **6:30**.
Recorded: **1:28**
